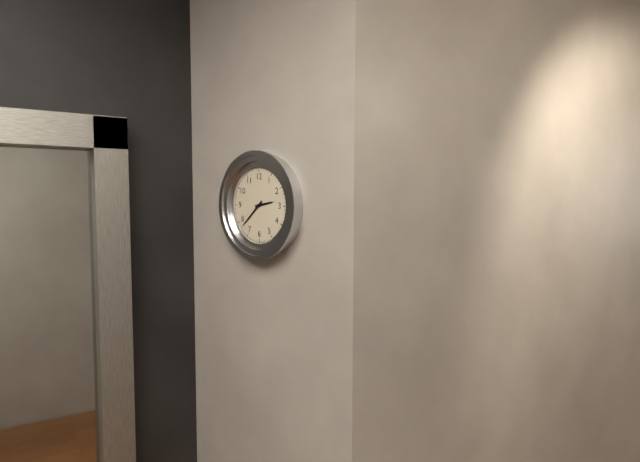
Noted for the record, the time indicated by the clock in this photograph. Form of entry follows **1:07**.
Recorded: **2:38**
